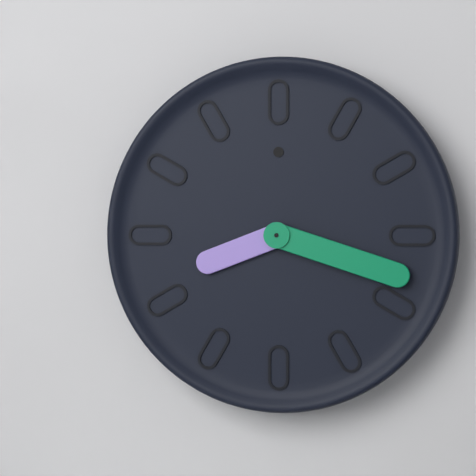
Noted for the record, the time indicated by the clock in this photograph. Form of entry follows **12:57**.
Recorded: **8:18**
